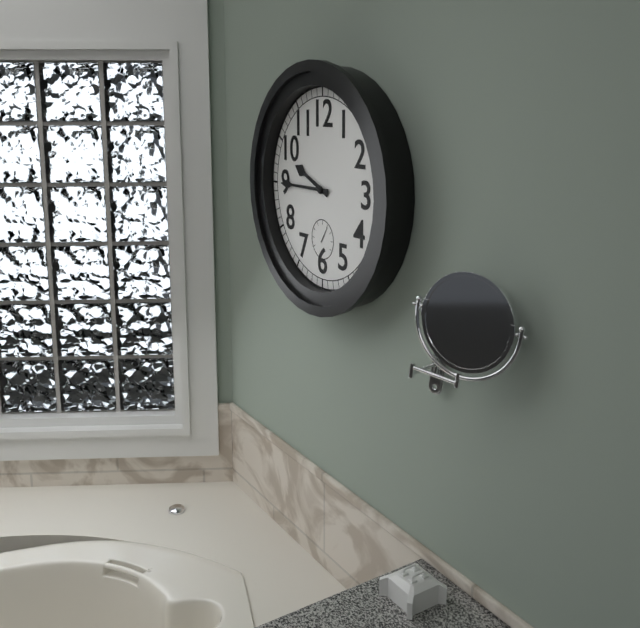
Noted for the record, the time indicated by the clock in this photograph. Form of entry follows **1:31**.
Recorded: **9:45**
